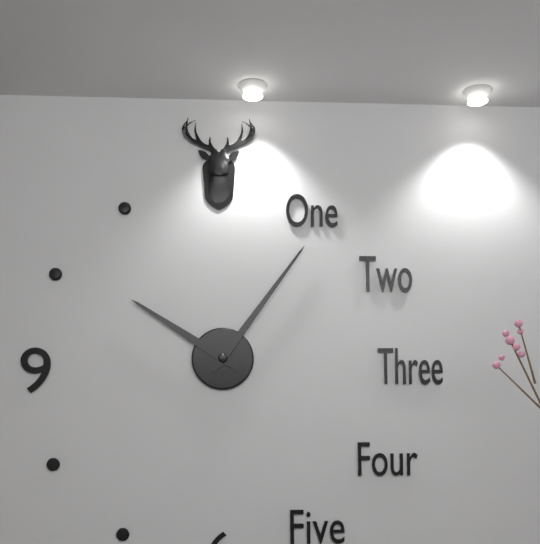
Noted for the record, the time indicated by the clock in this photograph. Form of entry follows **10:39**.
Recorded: **10:06**
